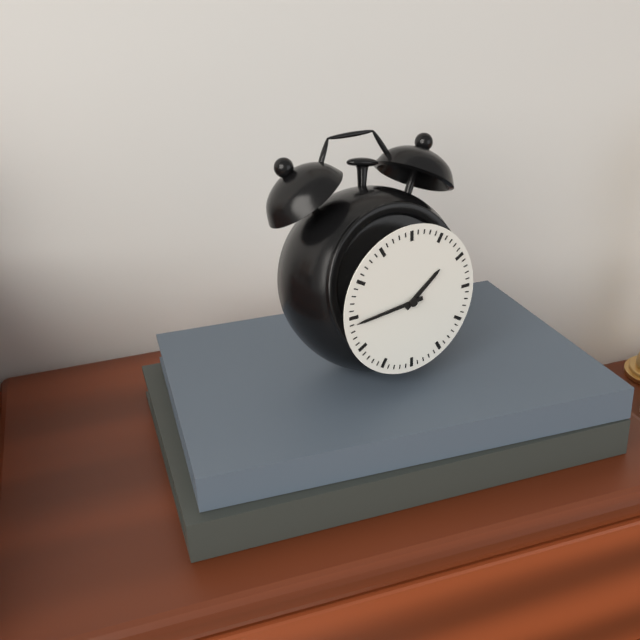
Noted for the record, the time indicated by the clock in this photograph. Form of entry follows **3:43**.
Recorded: **1:44**
